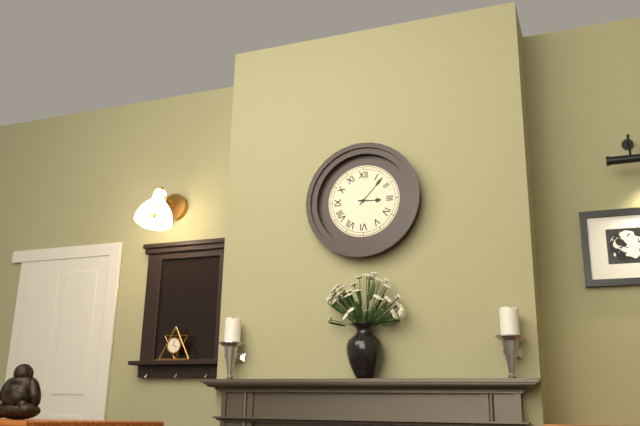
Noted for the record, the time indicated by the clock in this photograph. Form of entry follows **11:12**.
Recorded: **3:07**
